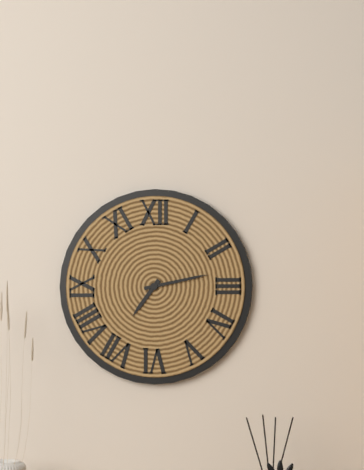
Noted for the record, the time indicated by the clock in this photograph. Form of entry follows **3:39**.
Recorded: **7:13**
